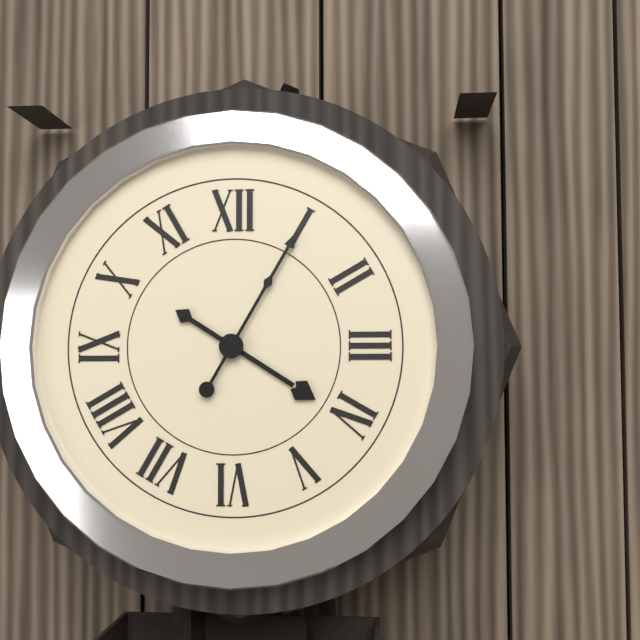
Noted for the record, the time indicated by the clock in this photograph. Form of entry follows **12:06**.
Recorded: **4:05**
